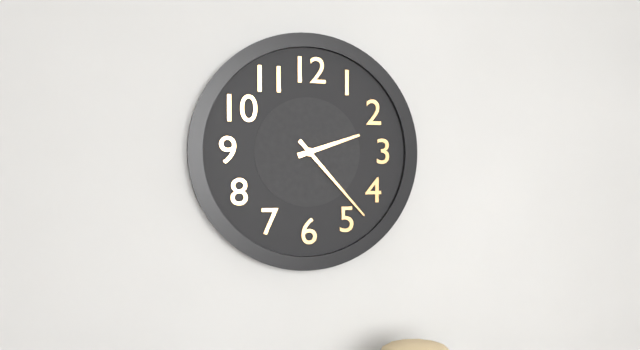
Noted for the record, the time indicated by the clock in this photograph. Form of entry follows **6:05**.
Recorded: **2:23**
